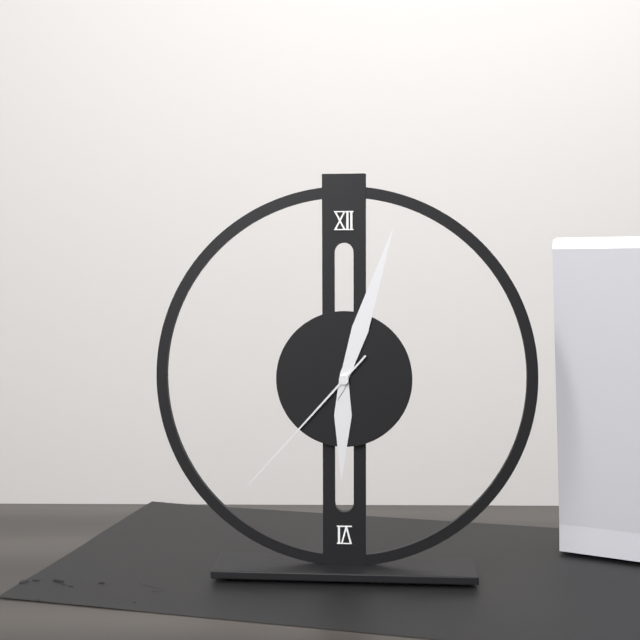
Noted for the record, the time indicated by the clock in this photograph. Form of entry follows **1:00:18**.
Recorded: **6:03:37**
